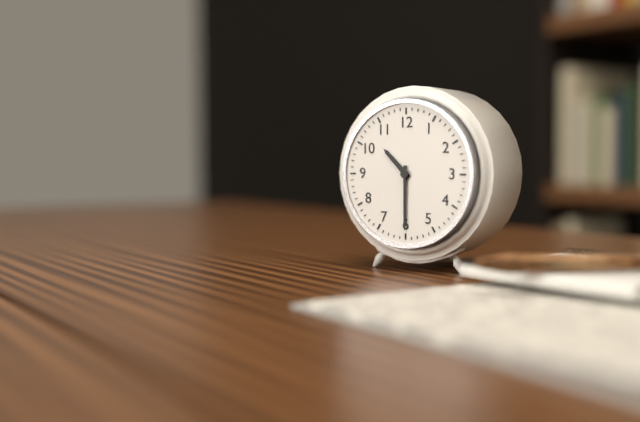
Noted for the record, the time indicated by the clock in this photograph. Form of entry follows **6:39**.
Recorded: **10:30**
